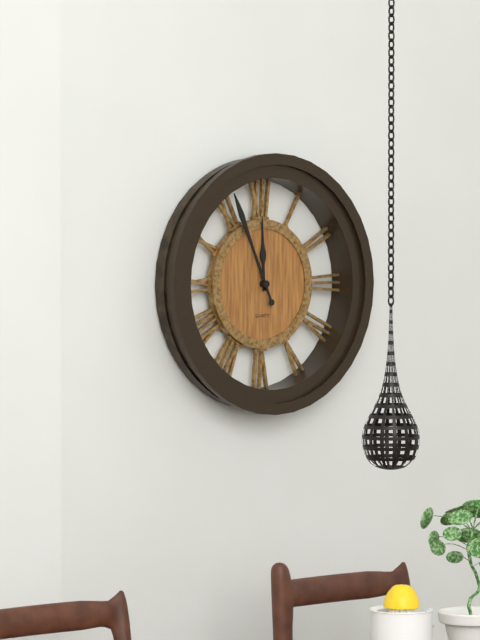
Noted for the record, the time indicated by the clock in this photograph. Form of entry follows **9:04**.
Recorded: **11:56**
